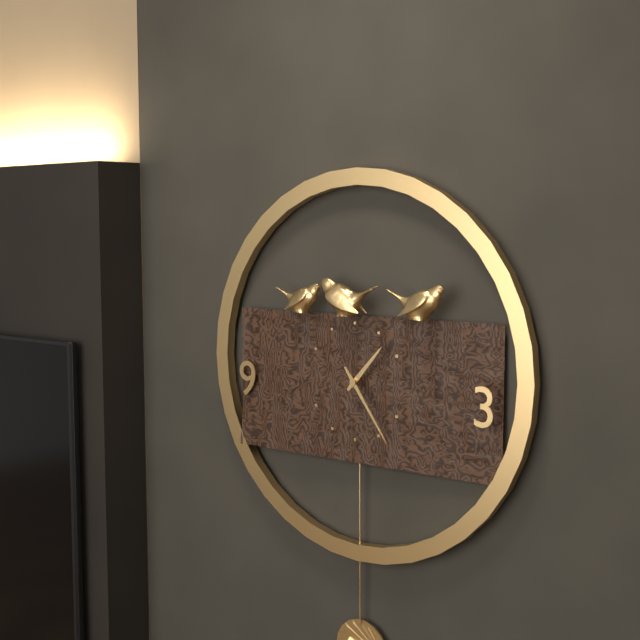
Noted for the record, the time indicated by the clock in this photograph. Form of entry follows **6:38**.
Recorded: **1:24**
